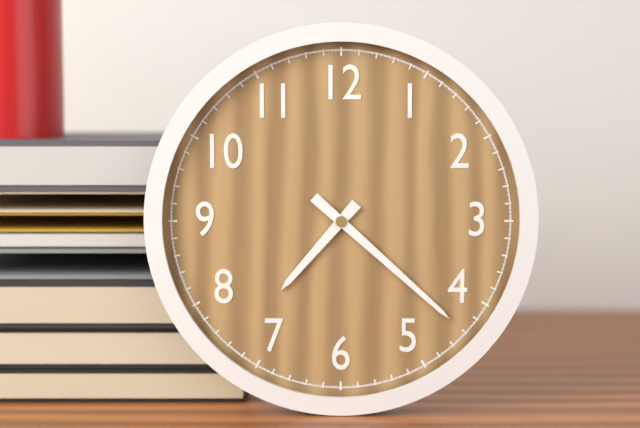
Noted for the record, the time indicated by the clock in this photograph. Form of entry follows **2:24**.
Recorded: **7:22**
